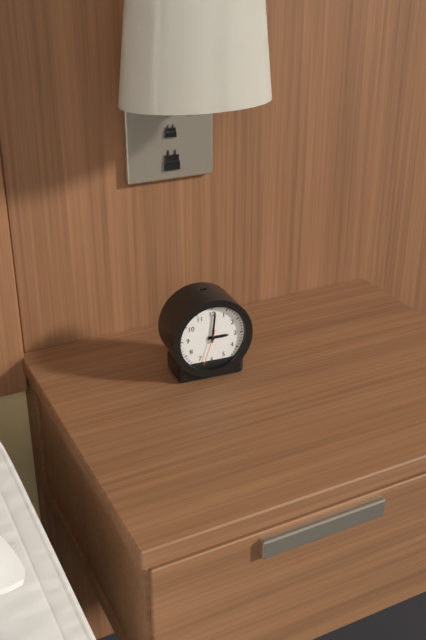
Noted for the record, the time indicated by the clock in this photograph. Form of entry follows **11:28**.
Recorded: **3:01**
